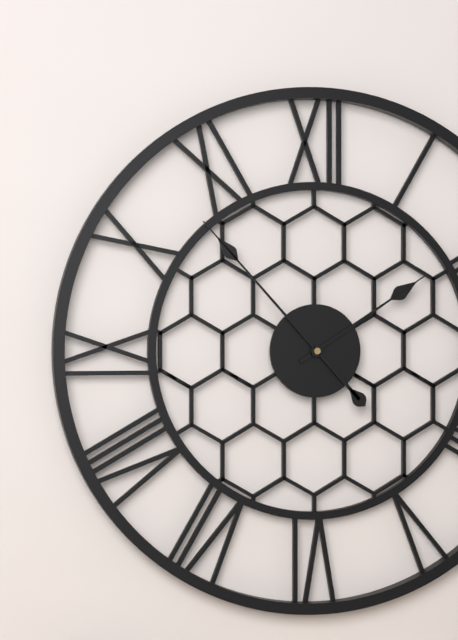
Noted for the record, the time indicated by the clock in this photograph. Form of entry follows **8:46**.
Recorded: **1:53**
